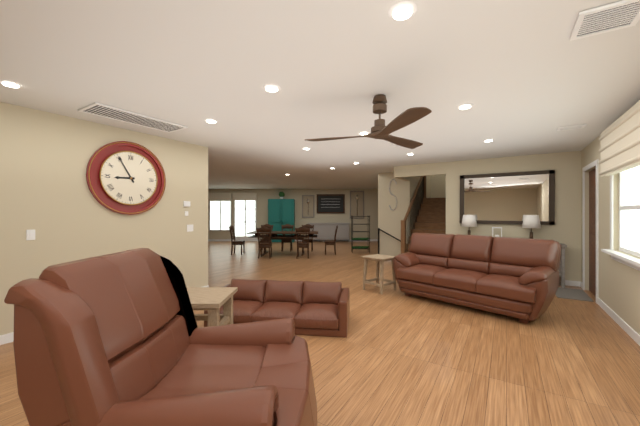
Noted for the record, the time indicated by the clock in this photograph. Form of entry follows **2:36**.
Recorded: **8:55**
